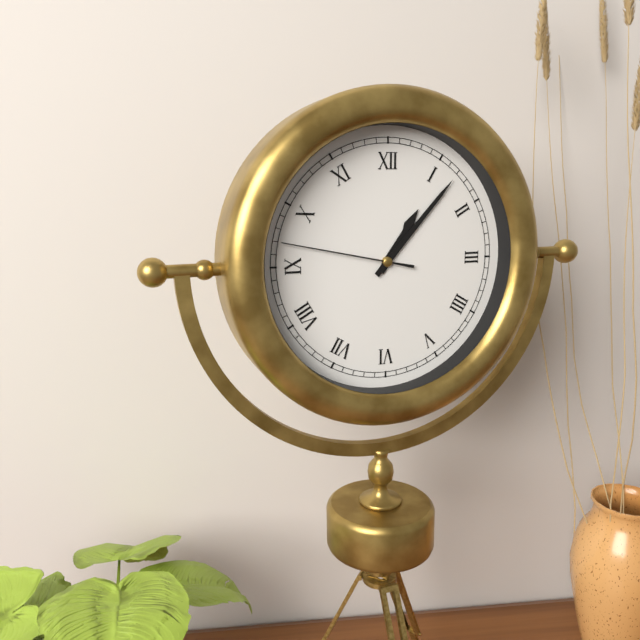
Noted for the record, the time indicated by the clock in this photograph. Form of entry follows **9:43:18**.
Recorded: **1:07:47**
